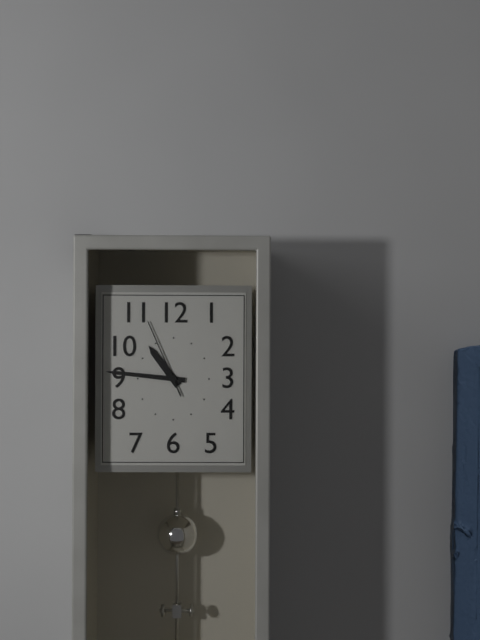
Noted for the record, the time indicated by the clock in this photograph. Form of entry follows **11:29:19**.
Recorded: **10:46:56**
